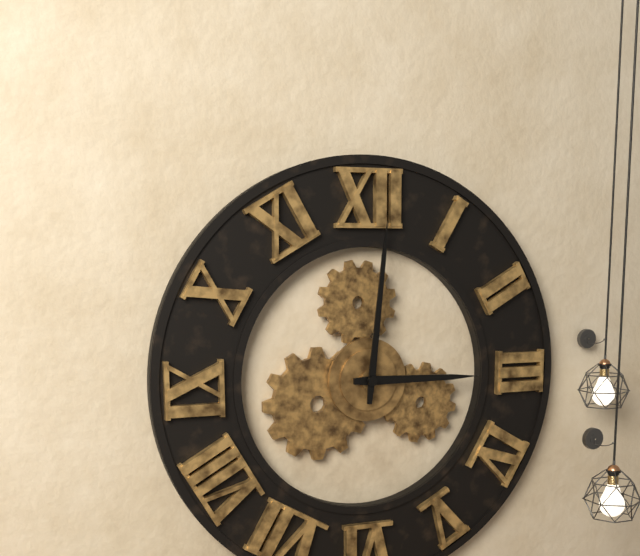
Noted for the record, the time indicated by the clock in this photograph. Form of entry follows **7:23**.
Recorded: **3:01**
